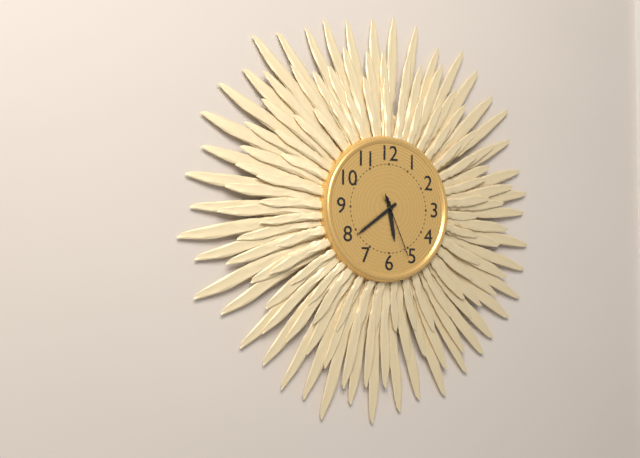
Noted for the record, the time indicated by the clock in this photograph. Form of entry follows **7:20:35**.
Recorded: **5:39:26**
